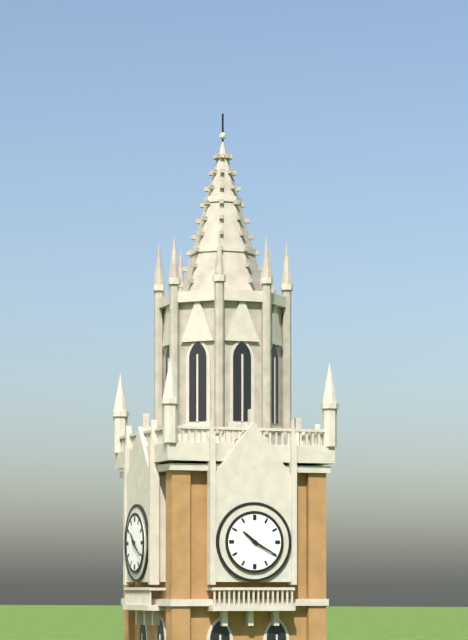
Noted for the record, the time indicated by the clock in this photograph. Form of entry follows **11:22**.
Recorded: **10:20**
